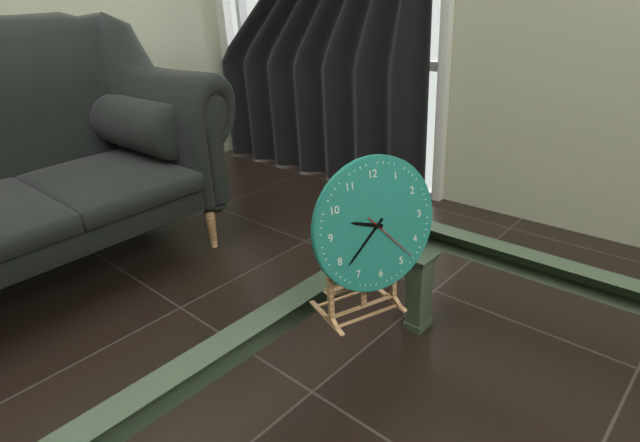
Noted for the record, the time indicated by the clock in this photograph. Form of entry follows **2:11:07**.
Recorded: **9:38:23**
